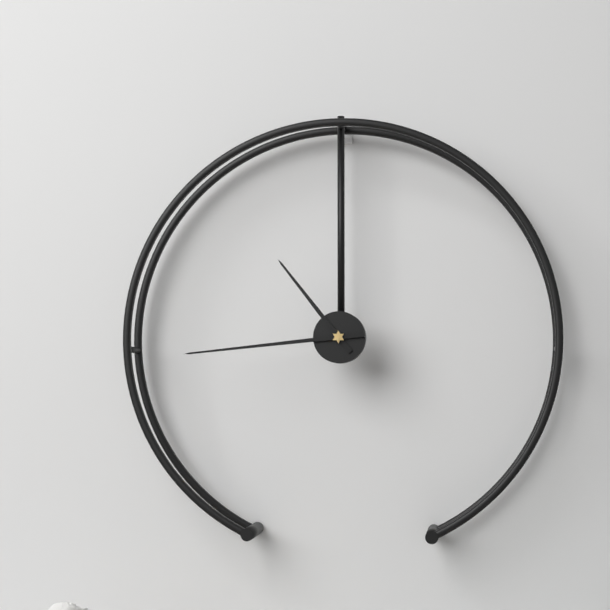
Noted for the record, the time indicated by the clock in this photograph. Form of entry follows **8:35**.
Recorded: **10:44**
